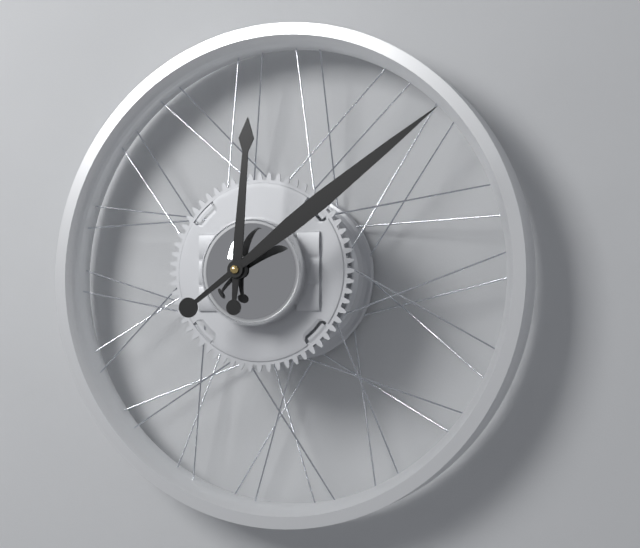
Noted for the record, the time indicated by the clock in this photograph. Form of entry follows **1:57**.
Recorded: **12:09**
